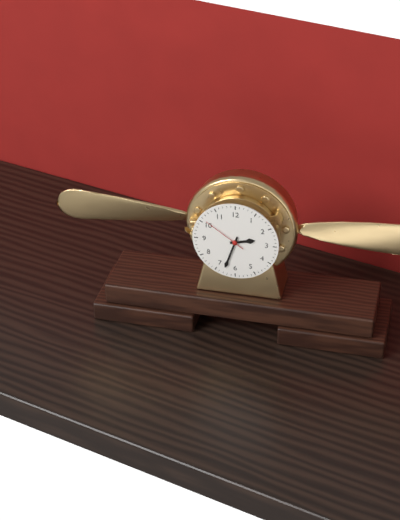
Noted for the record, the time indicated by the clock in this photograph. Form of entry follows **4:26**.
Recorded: **2:33**
